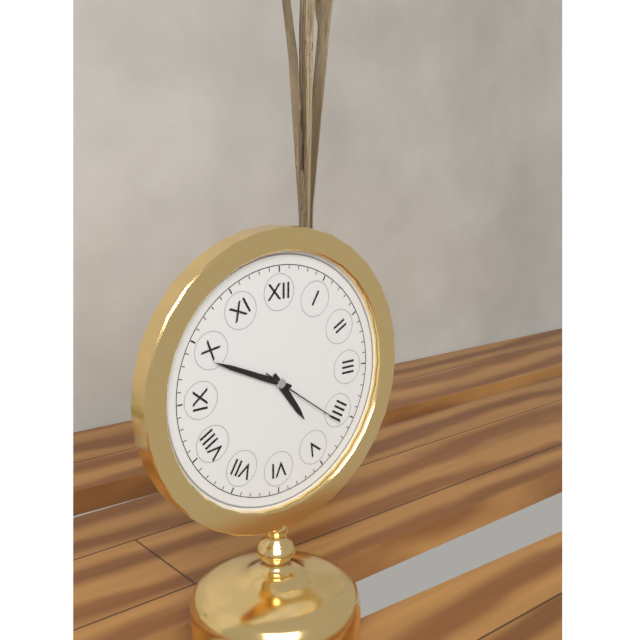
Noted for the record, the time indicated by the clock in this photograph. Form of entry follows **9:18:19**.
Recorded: **4:49:21**
